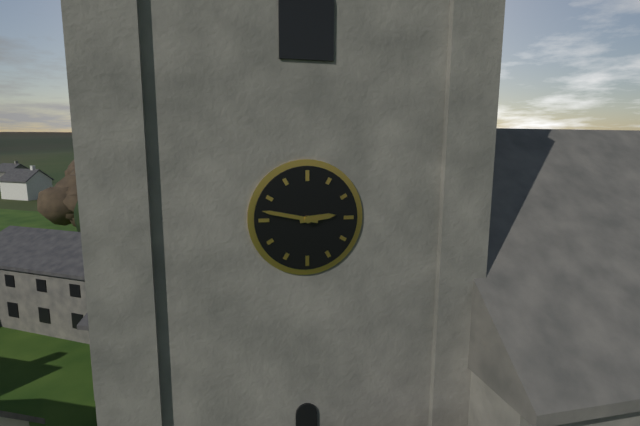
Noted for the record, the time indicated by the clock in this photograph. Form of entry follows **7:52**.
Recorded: **2:47**
